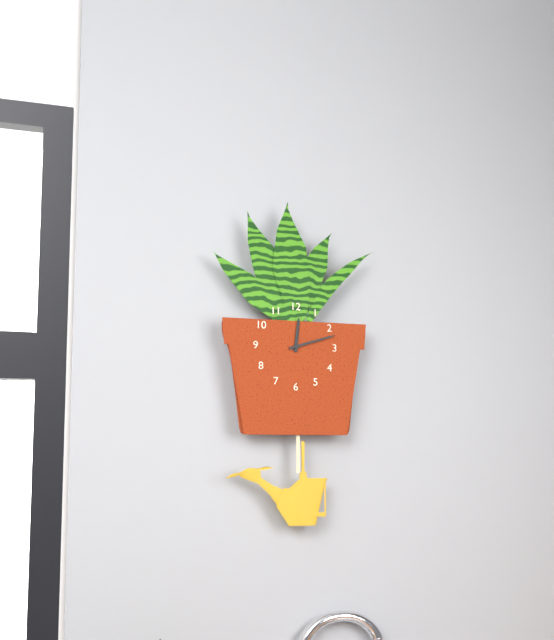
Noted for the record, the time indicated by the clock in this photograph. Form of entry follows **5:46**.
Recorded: **12:12**
